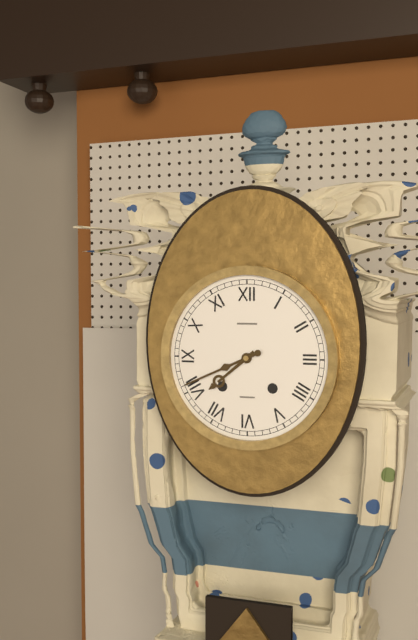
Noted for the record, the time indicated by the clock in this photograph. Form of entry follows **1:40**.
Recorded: **7:41**
